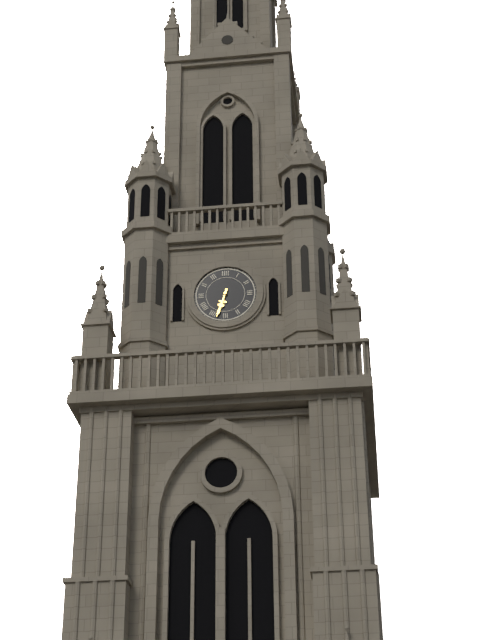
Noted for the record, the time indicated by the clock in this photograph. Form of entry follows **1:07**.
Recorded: **6:33**
